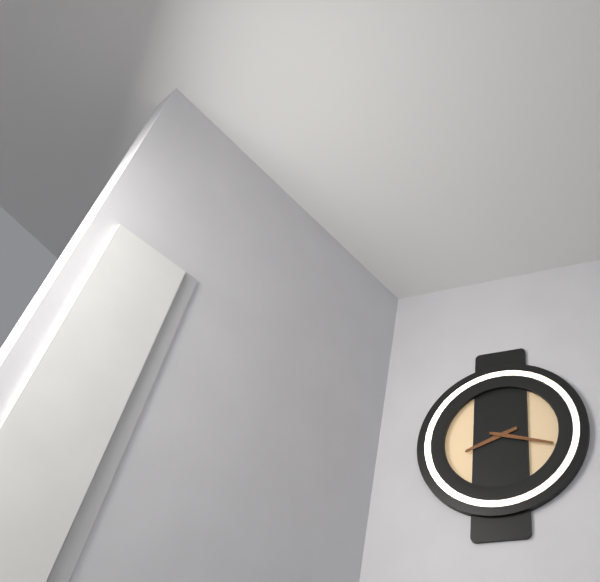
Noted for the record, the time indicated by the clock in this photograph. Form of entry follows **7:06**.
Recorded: **8:18**
